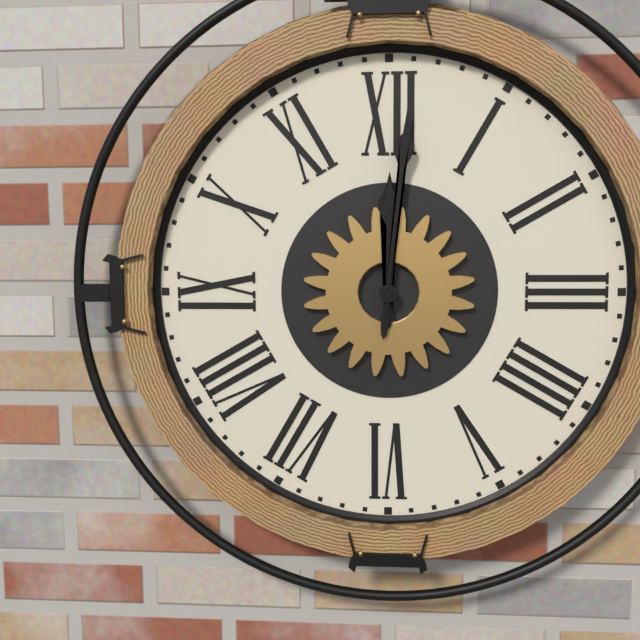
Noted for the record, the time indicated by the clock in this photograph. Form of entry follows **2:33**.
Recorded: **12:01**
